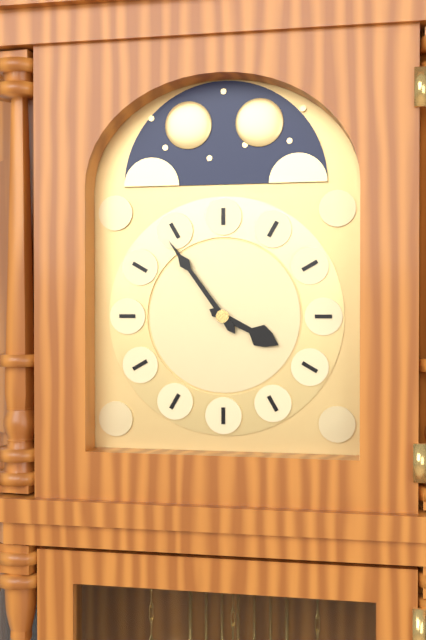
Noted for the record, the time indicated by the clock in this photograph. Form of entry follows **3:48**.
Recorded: **3:54**
